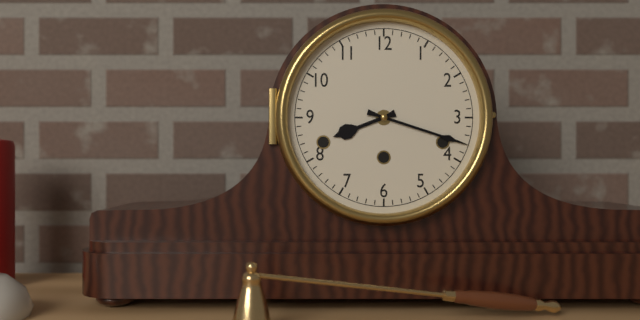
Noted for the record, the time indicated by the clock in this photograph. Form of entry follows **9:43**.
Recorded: **8:18**
